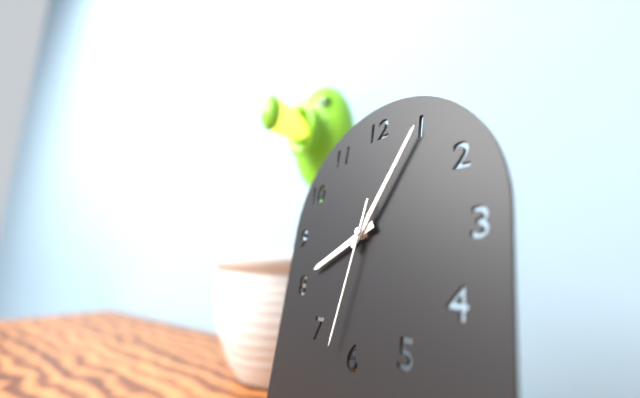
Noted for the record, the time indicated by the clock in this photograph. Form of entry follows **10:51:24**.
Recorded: **8:05:32**
